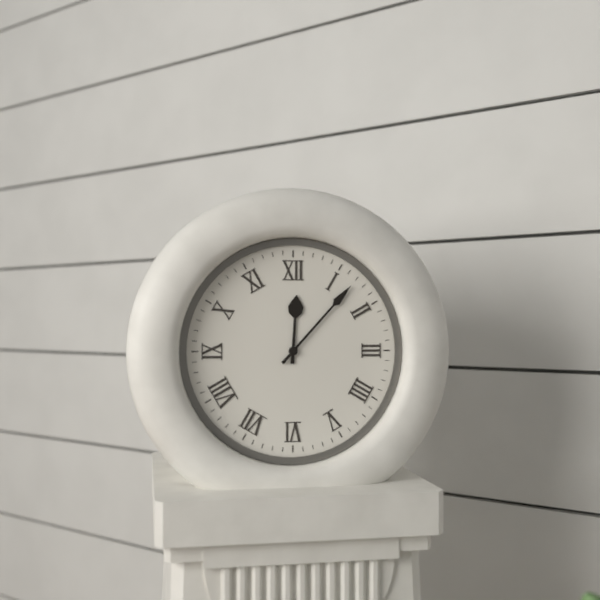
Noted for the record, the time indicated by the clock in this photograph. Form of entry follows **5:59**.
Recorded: **12:07**
